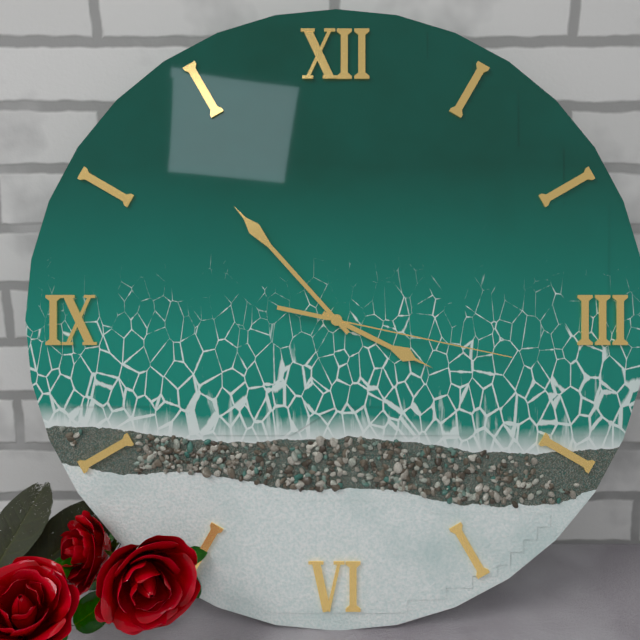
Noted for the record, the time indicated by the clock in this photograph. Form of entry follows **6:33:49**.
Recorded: **3:53:17**
